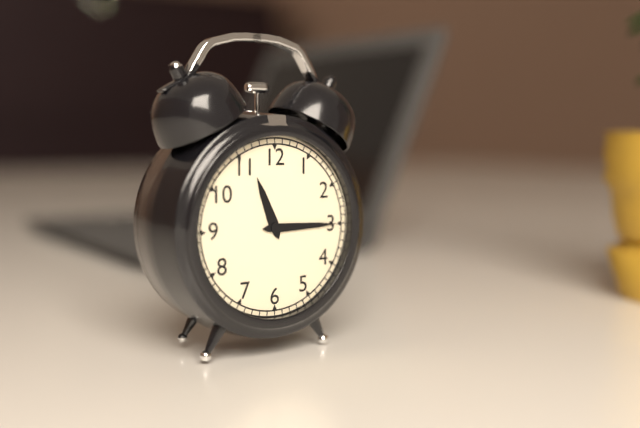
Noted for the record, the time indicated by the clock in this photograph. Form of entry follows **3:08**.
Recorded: **11:15**
